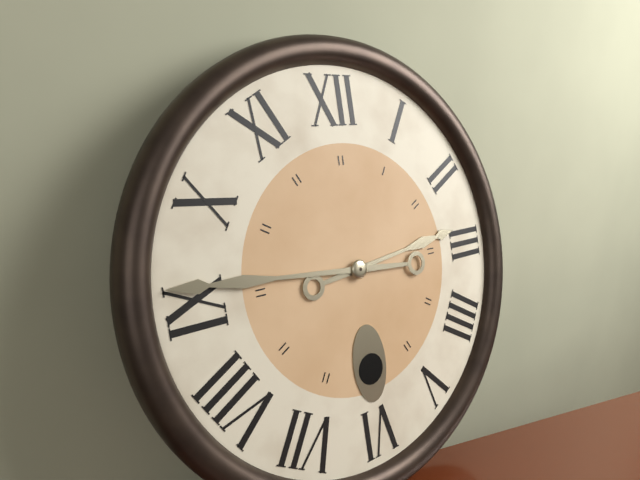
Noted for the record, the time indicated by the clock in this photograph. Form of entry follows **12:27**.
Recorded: **2:46**
